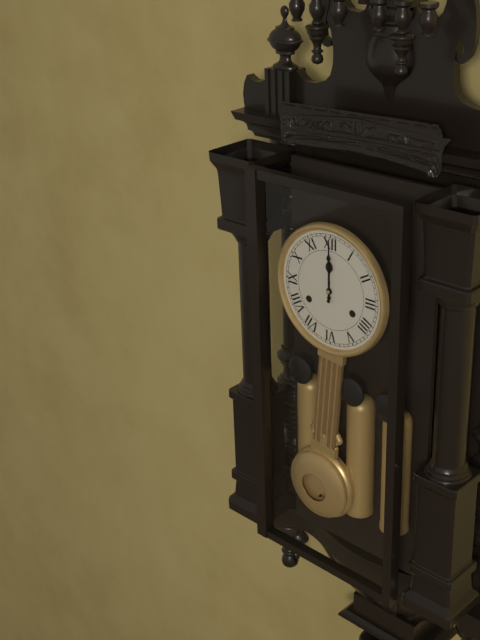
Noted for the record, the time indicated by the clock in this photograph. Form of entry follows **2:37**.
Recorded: **12:00**
